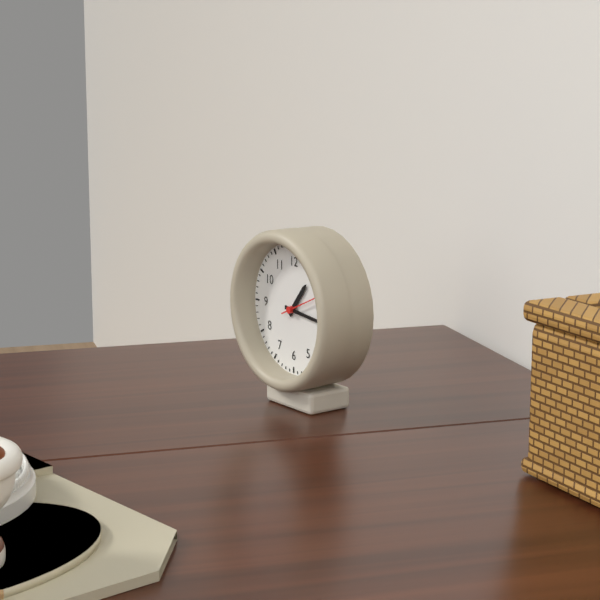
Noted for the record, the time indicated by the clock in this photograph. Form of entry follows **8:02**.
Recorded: **1:16**
